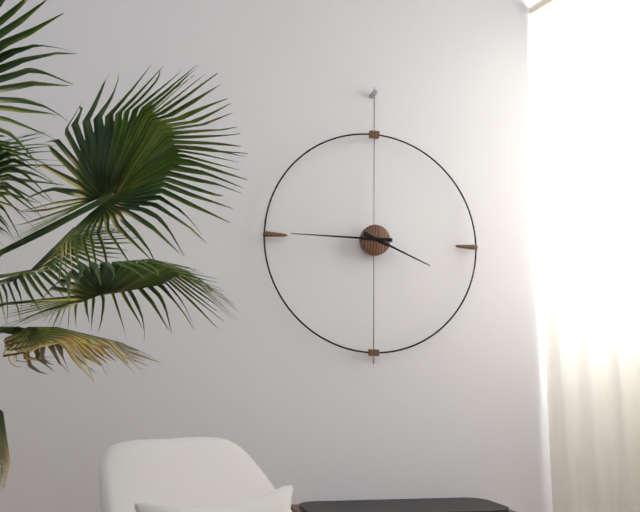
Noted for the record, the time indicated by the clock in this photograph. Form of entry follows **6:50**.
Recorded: **3:45**
